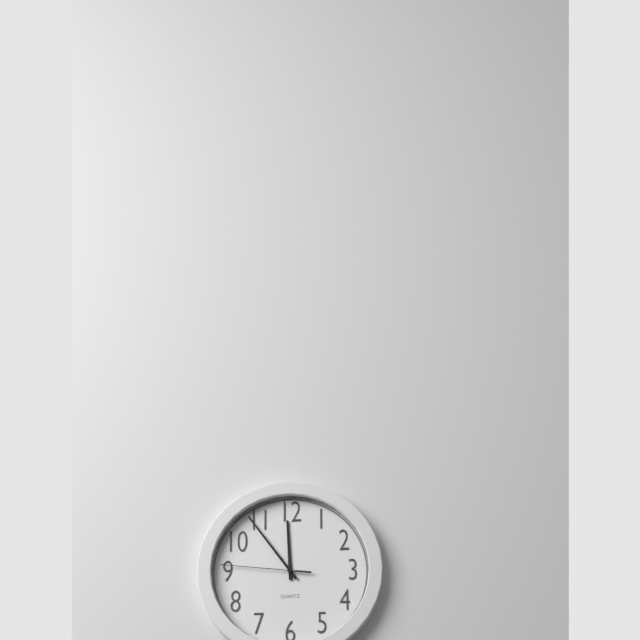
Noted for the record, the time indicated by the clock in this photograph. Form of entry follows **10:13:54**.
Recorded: **11:54:46**
